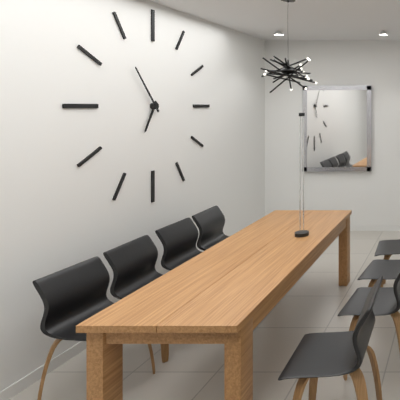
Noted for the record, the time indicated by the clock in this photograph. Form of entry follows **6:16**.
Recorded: **6:54**
